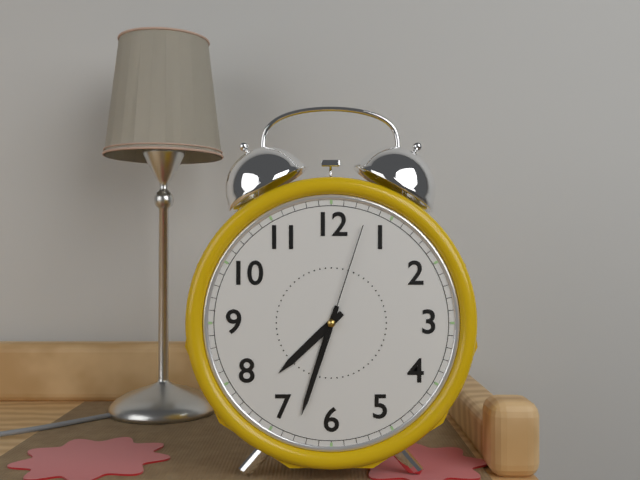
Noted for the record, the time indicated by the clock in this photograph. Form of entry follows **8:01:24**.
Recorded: **7:33:03**
